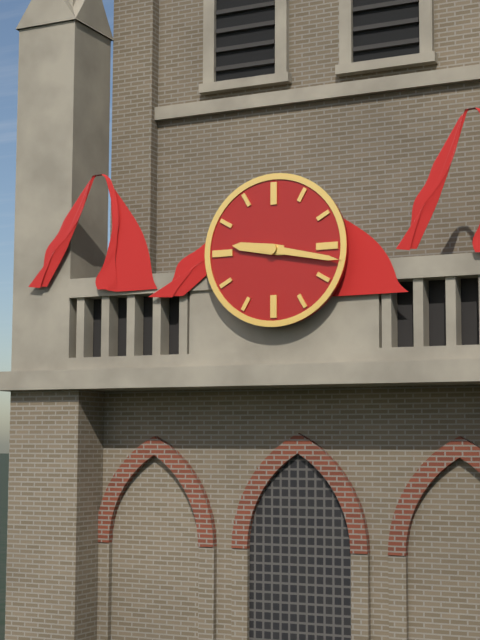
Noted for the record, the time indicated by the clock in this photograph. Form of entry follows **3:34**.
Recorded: **9:17**
